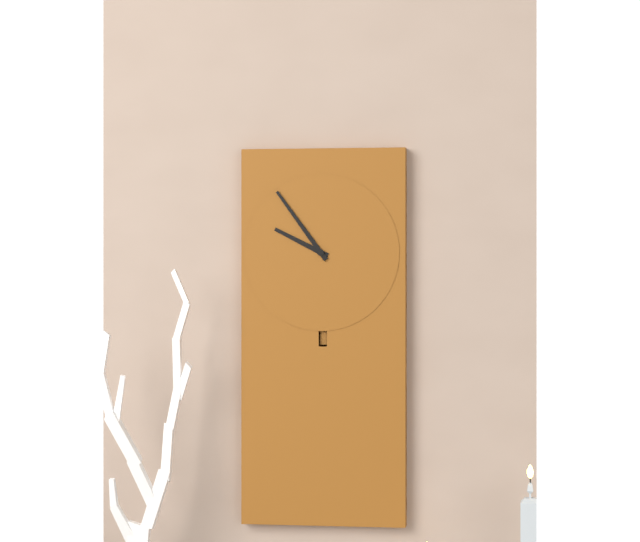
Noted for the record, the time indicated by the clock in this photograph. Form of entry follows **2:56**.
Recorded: **9:54**
